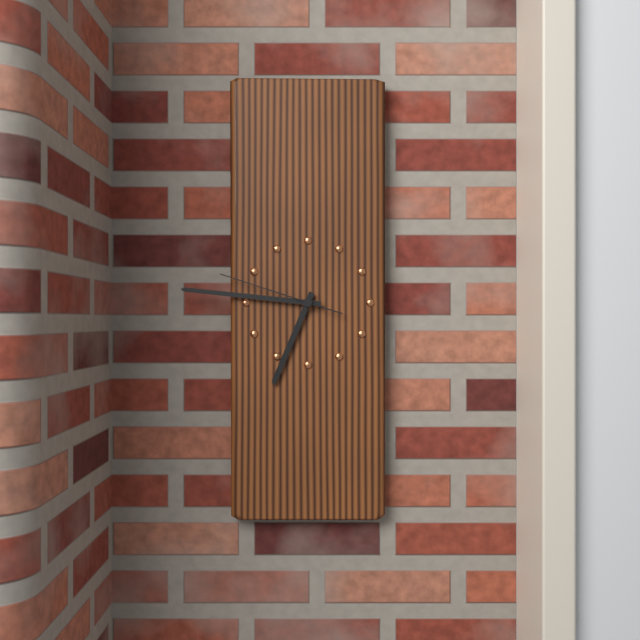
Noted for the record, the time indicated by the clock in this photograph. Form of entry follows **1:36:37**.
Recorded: **6:46:48**
